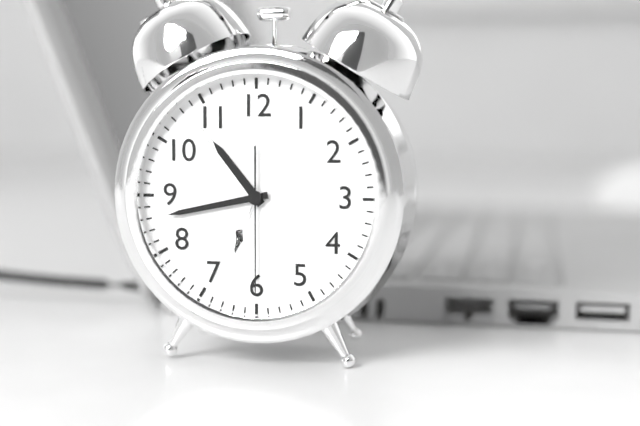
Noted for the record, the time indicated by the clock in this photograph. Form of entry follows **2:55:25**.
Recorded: **10:43:30**
